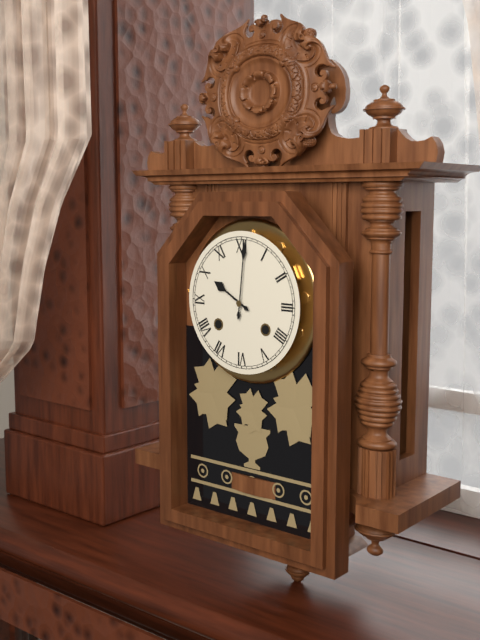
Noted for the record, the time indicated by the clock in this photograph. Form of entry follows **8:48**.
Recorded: **10:01**
